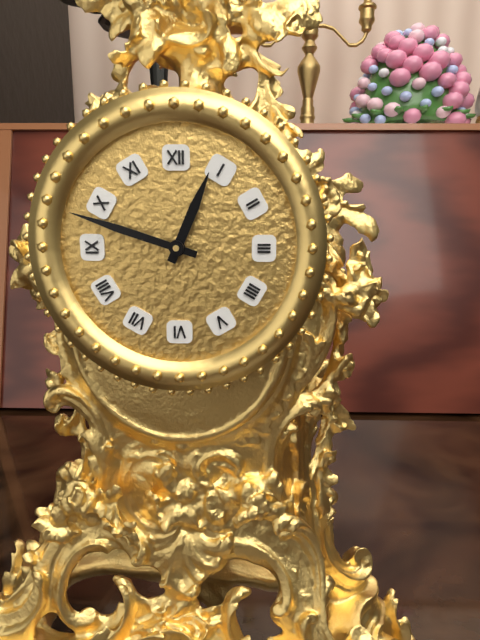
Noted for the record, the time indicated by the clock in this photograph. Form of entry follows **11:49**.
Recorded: **12:48**
